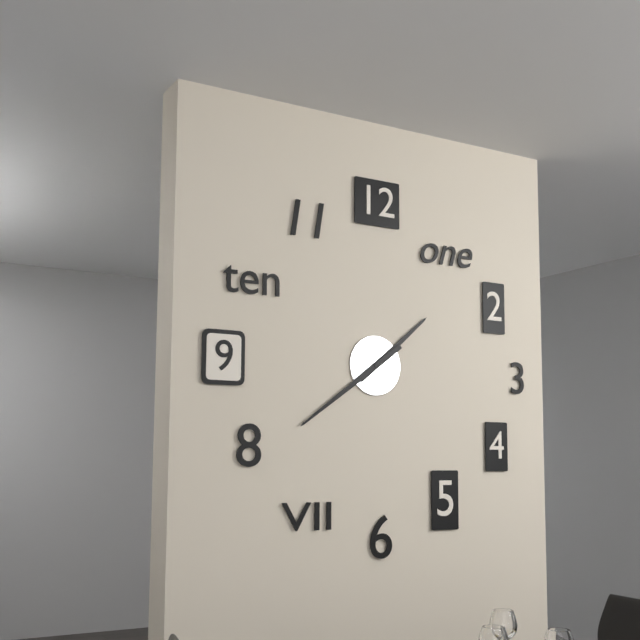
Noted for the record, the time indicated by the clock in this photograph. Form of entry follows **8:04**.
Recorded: **1:39**
